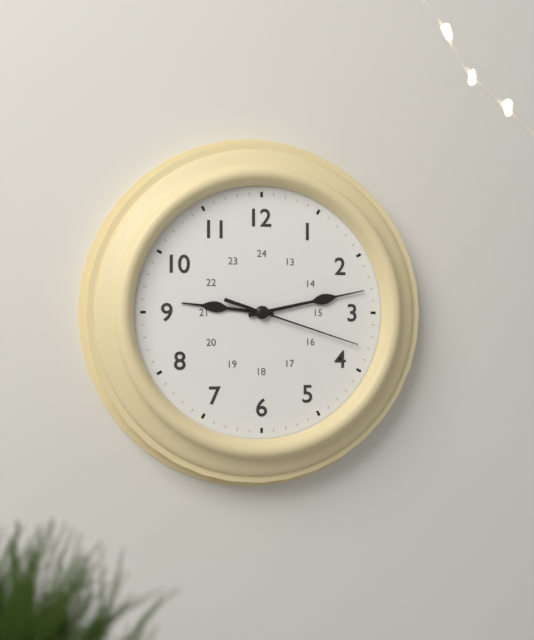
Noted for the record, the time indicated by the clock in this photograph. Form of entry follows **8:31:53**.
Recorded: **9:13:18**
